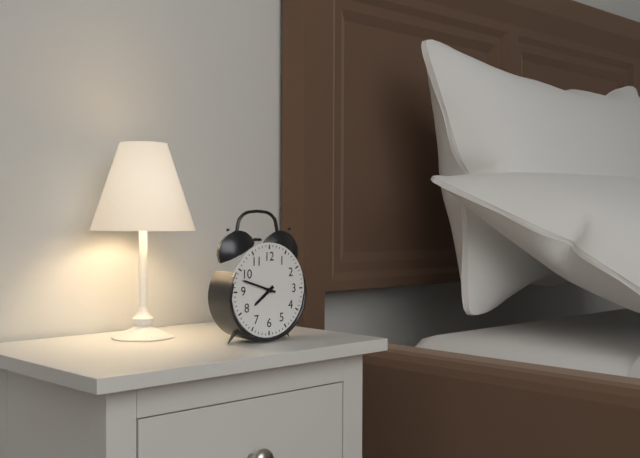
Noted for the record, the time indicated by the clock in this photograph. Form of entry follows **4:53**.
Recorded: **7:48**
